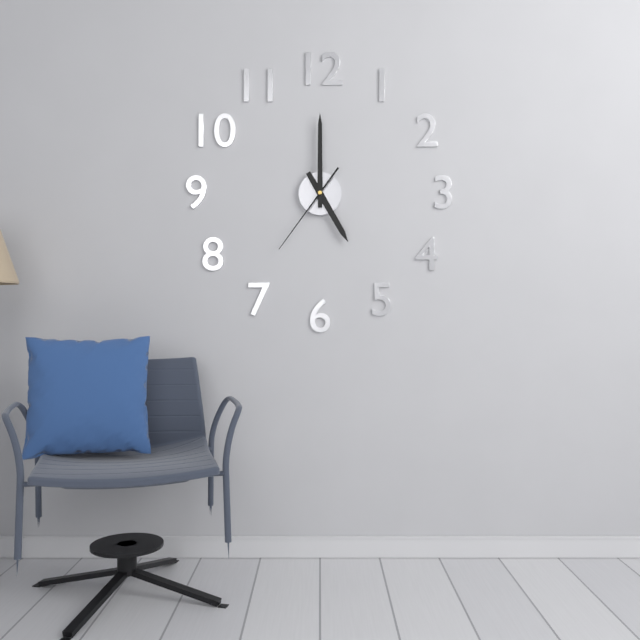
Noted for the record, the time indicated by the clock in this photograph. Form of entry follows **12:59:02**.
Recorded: **5:00:36**
